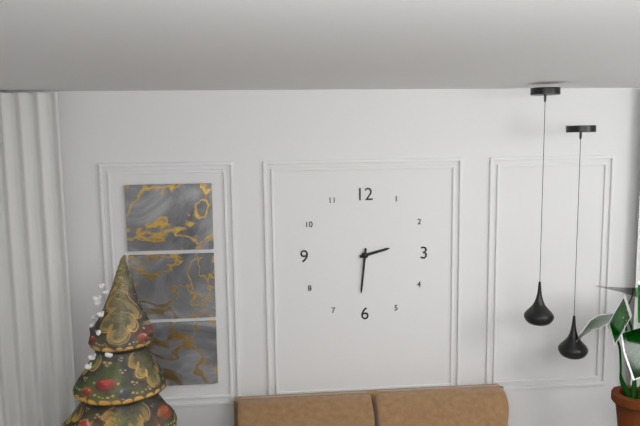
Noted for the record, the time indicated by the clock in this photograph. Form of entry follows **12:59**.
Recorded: **2:31**
